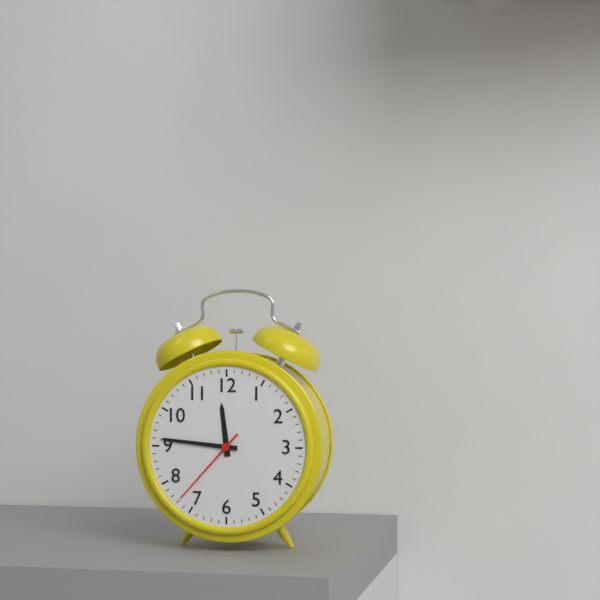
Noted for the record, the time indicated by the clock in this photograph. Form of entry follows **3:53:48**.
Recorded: **11:46:37**
